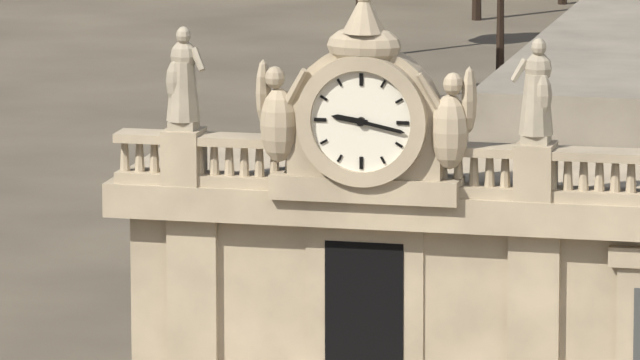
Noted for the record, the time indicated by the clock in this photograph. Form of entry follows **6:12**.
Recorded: **9:17**
